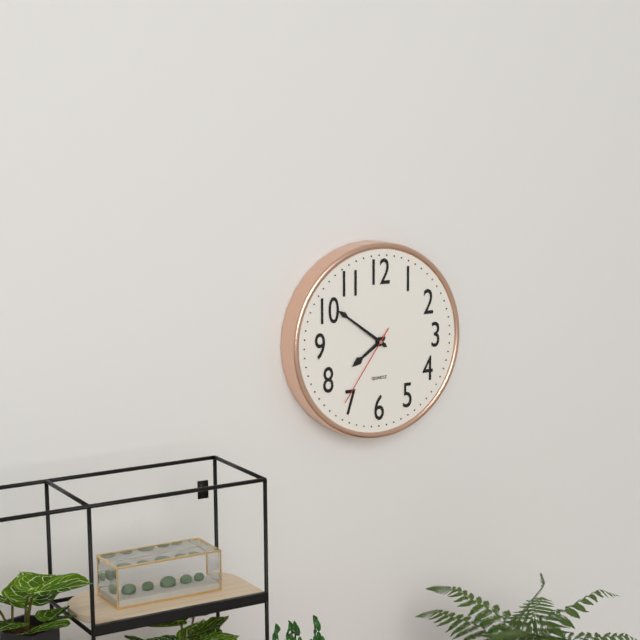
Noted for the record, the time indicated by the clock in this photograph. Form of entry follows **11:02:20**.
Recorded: **7:51:36**
